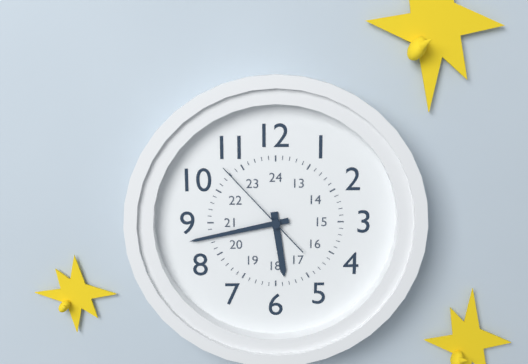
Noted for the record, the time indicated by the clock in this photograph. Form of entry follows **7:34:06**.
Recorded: **5:43:53**
